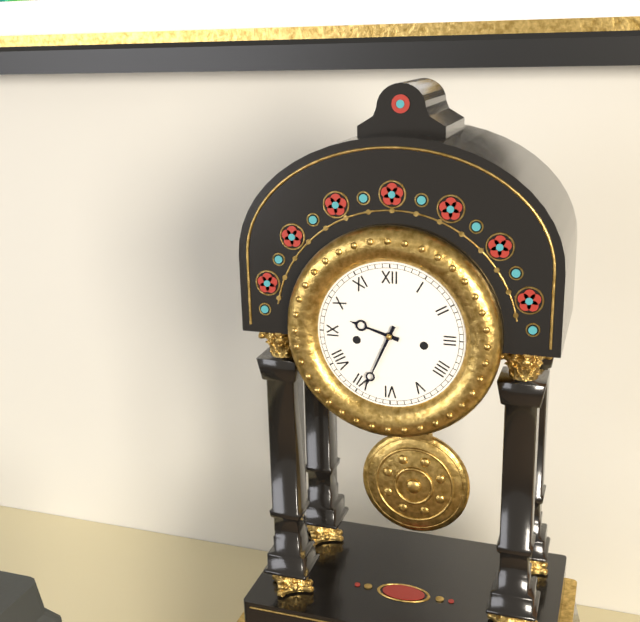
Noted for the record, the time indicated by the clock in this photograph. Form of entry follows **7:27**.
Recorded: **9:34**
